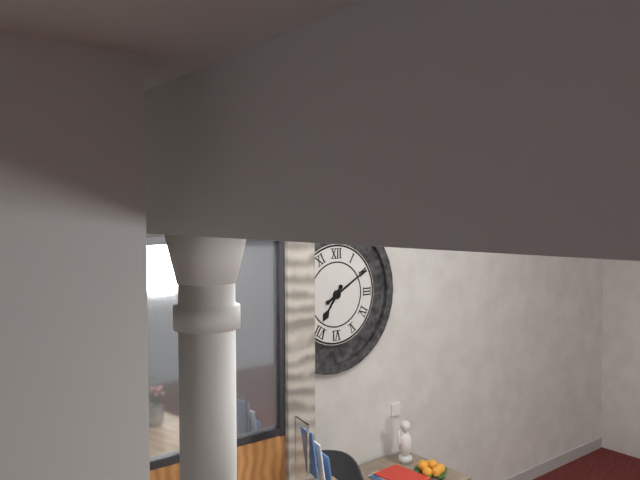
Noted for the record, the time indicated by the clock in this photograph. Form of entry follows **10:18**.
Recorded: **7:10**
